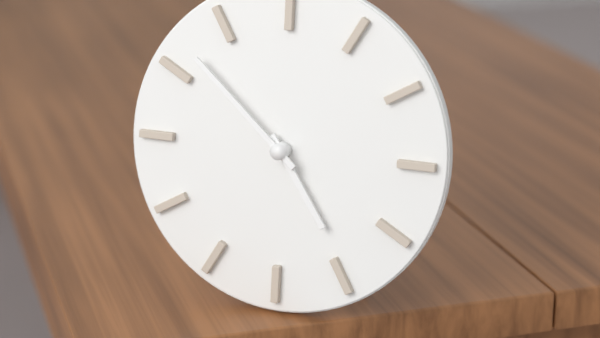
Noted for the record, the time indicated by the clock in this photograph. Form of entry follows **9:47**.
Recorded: **4:52**
